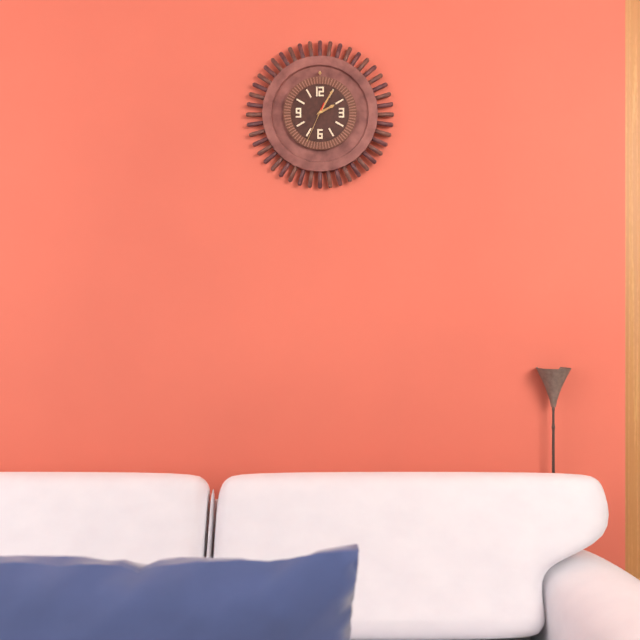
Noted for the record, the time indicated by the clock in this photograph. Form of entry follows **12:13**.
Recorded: **2:05**
